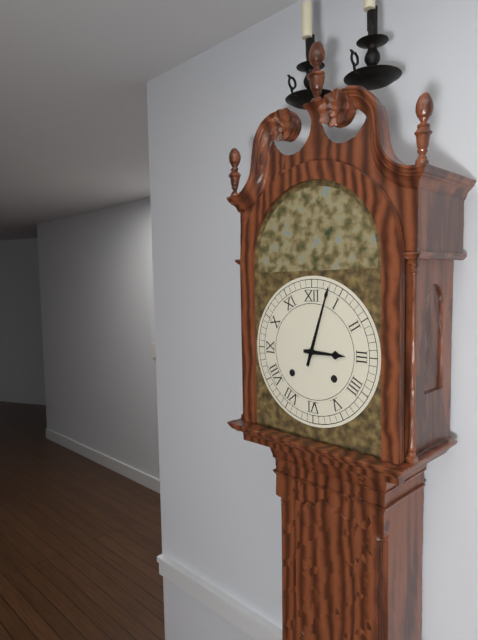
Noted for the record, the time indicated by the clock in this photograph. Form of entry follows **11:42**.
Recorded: **3:03**
